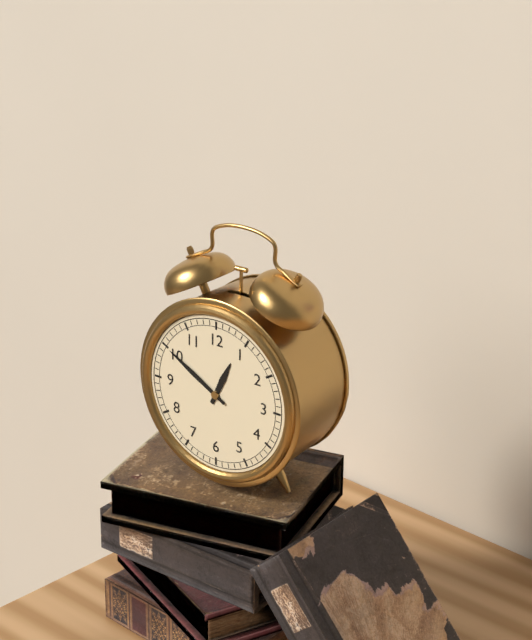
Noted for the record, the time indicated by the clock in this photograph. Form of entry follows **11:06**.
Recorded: **12:50**
